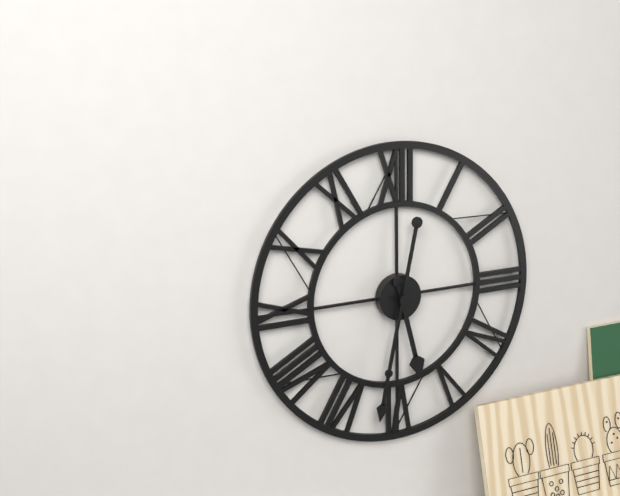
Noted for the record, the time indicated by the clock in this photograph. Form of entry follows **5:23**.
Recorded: **5:32**
